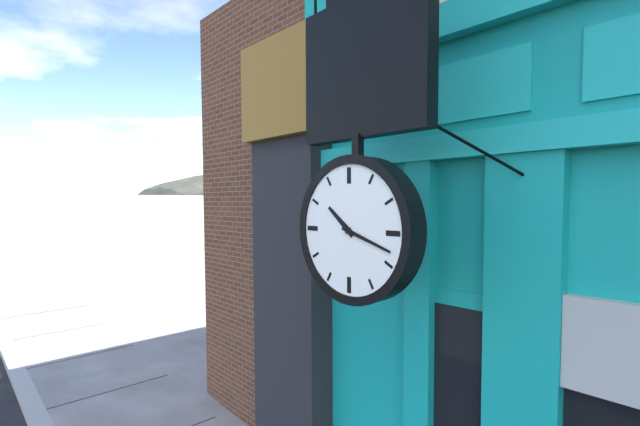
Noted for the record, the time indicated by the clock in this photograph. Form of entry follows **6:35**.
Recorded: **10:18**
